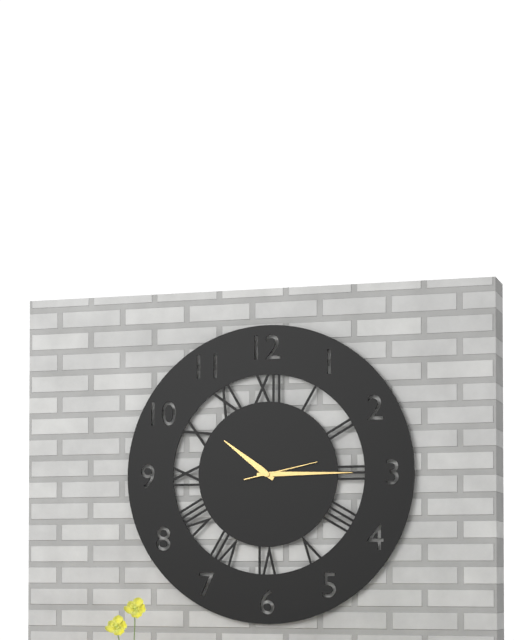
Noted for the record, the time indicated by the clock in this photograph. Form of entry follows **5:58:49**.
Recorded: **10:15:13**
